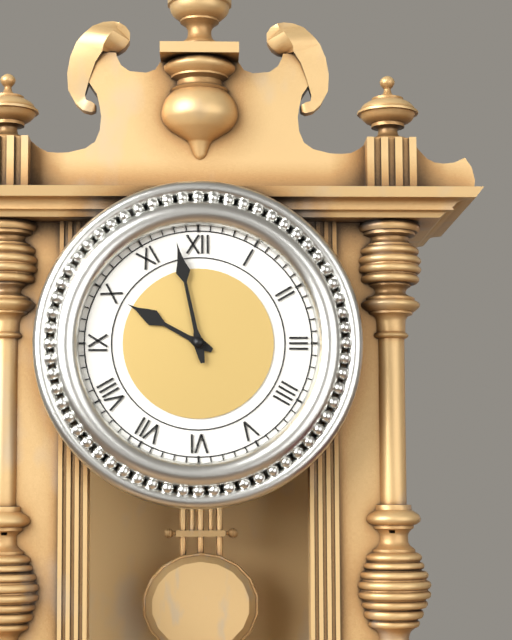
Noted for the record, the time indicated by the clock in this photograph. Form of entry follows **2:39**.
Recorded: **9:58**
